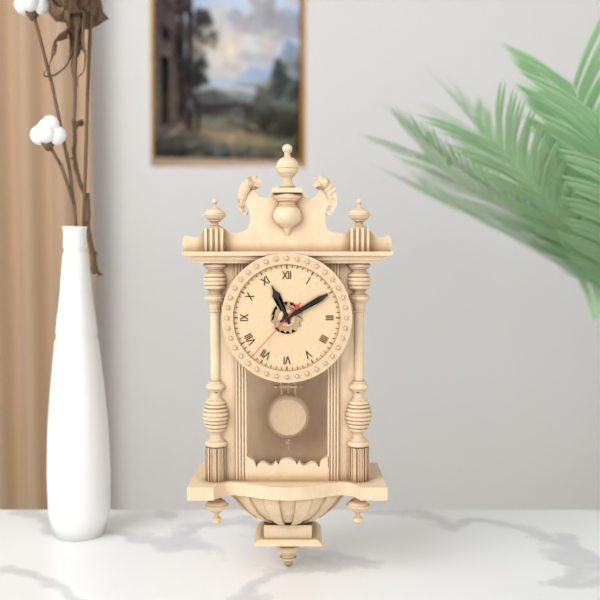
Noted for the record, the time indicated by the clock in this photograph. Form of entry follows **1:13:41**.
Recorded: **11:10:37**
